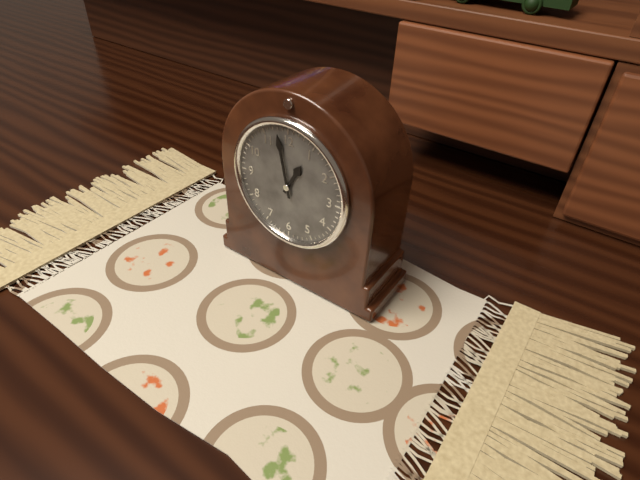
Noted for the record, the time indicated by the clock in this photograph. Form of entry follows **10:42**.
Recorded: **12:58**
